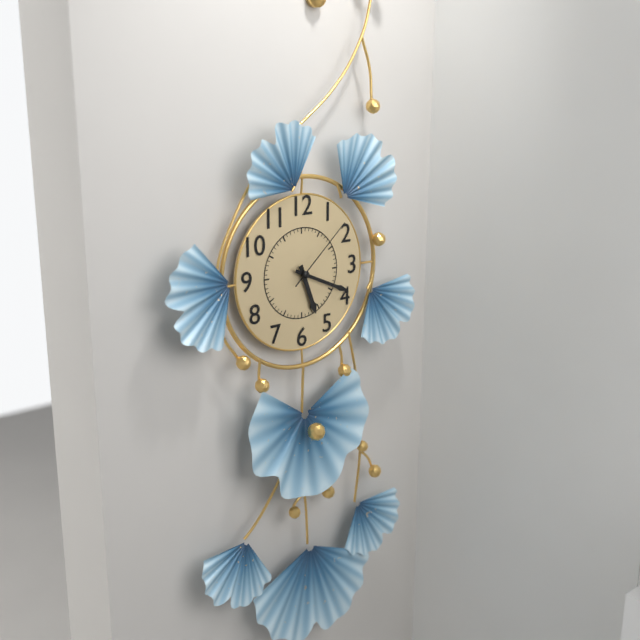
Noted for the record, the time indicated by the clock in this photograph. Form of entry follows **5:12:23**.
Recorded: **5:19:08**
